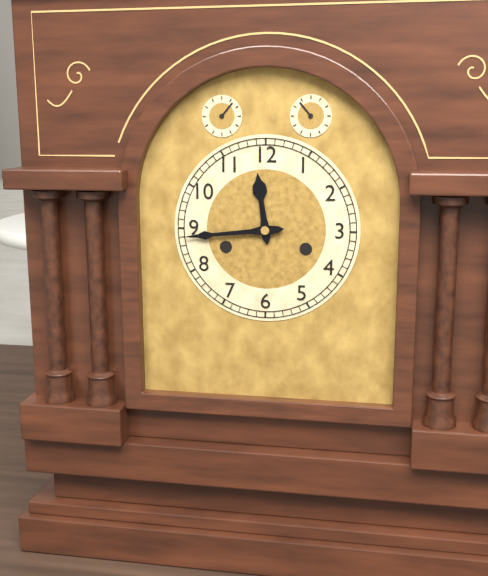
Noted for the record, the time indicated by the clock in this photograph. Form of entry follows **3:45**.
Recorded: **11:44**
